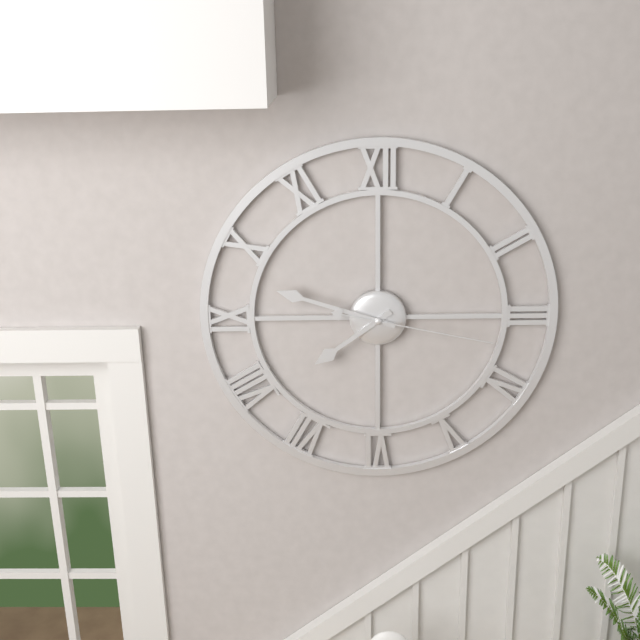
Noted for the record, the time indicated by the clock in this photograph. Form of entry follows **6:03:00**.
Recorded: **7:48:17**
